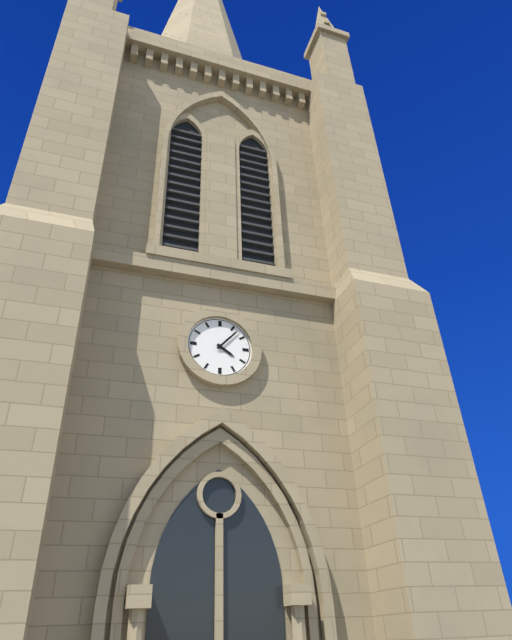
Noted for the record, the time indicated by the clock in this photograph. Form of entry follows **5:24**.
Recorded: **4:07**
